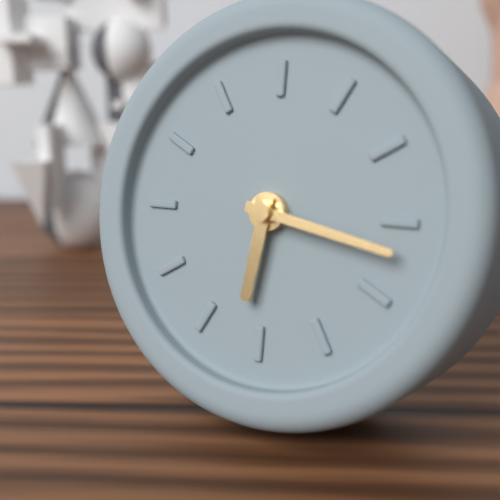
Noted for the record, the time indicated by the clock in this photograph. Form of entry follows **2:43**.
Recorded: **6:17**
